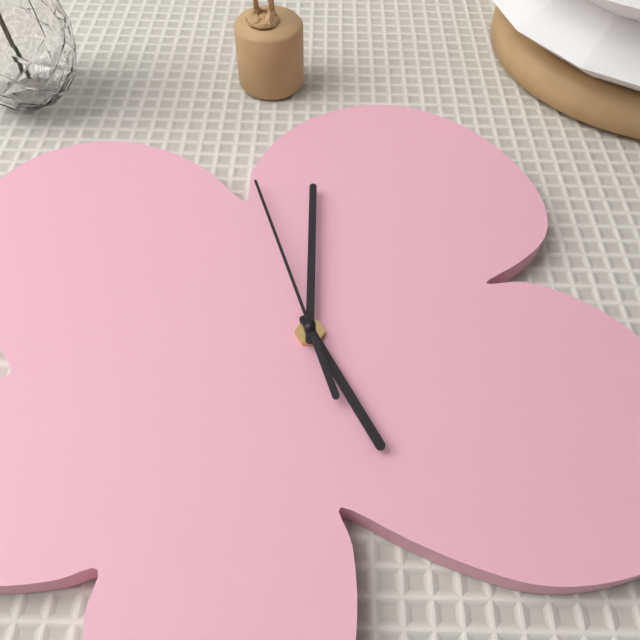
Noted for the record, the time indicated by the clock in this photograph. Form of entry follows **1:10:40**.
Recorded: **6:05:02**
